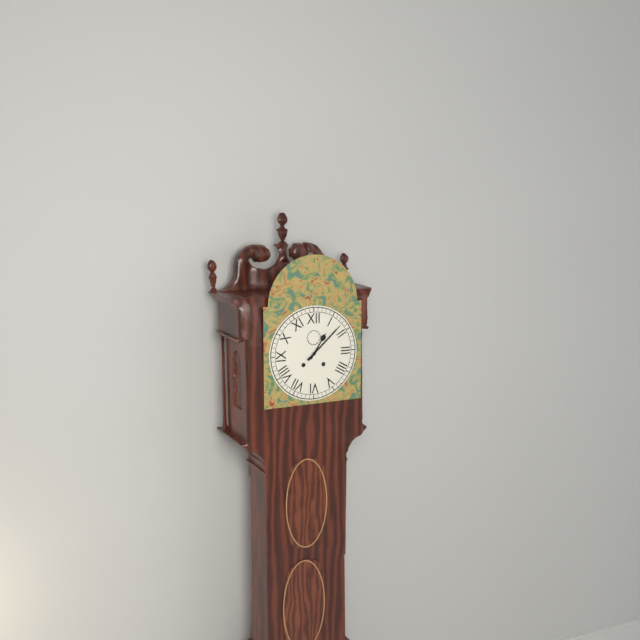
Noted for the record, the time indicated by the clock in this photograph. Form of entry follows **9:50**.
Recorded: **1:08**
